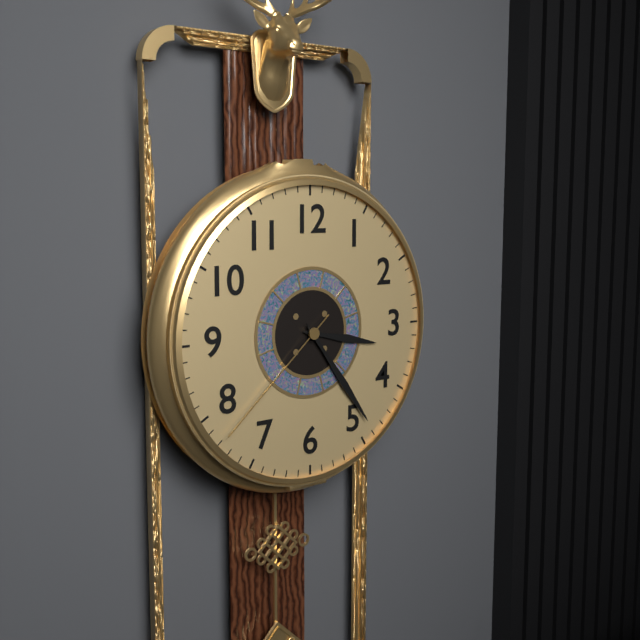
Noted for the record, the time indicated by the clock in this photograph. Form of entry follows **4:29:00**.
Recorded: **3:24:38**
